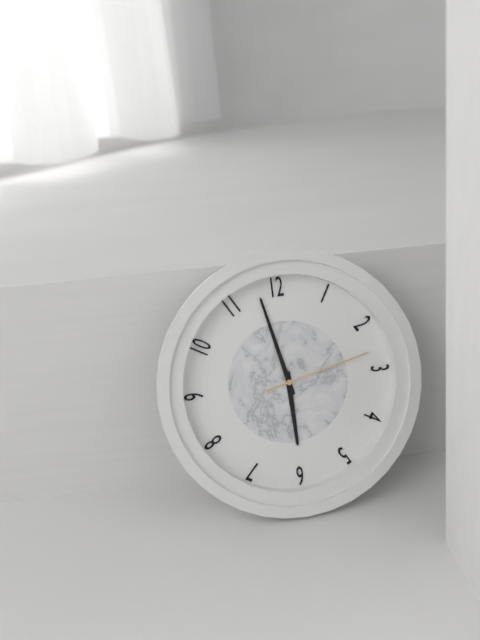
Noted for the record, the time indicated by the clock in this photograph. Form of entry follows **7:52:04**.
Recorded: **5:58:13**
